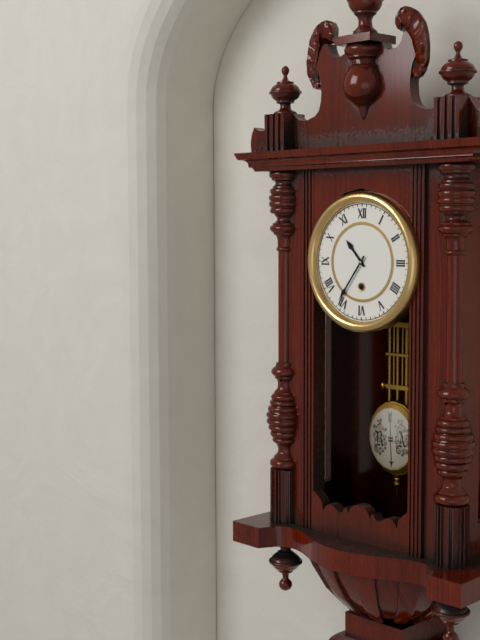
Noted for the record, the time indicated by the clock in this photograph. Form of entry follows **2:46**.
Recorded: **10:36**
